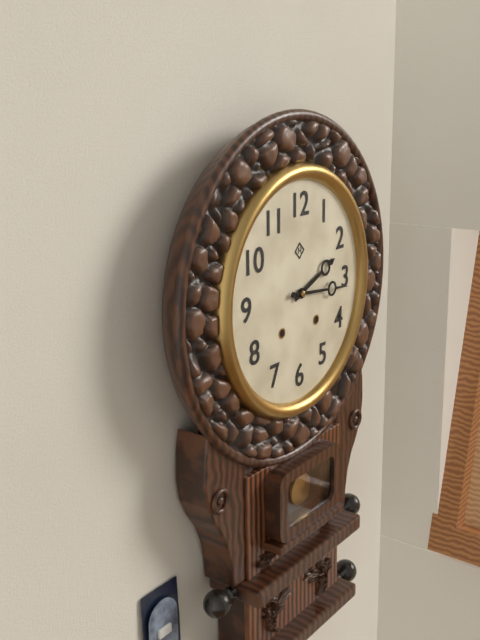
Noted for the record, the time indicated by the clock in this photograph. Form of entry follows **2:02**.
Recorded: **2:16**
